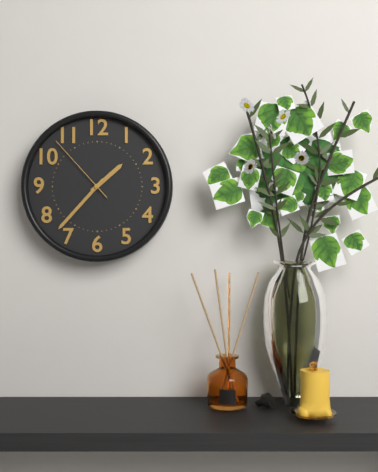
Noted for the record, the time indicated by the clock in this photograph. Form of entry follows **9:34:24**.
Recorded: **1:37:53**
